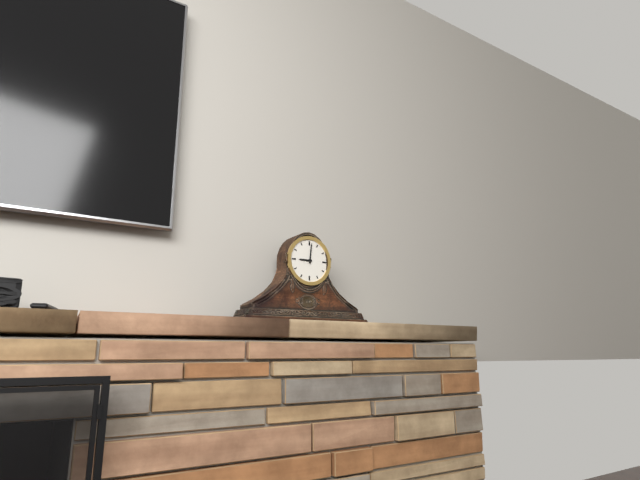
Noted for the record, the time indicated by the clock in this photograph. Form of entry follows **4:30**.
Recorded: **9:01**
